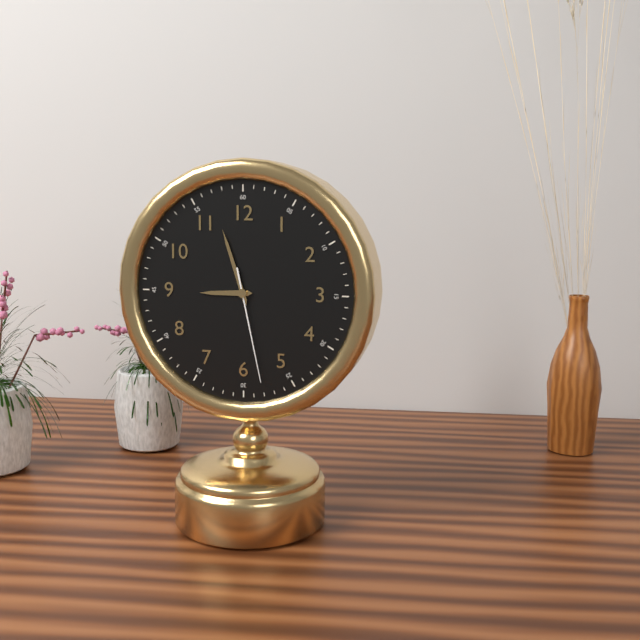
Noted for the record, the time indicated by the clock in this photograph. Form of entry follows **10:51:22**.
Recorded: **8:57:28**
